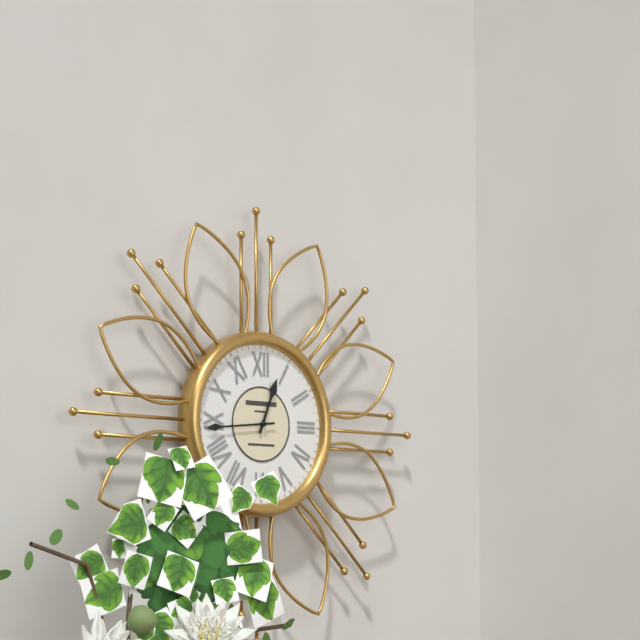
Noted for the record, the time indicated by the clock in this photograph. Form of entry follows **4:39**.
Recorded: **12:44**
